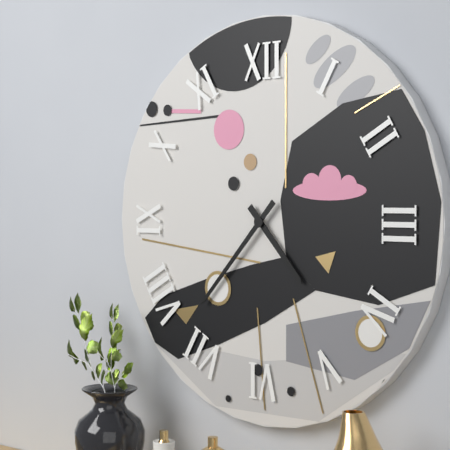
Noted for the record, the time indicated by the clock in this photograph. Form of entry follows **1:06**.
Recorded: **4:37**
